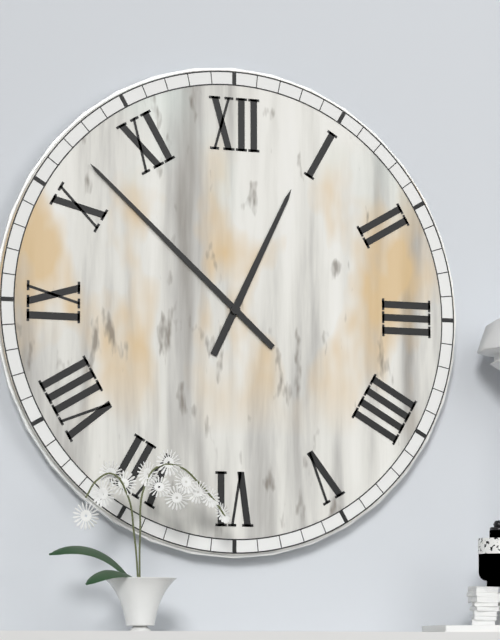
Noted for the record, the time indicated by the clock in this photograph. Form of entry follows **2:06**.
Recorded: **12:52**
